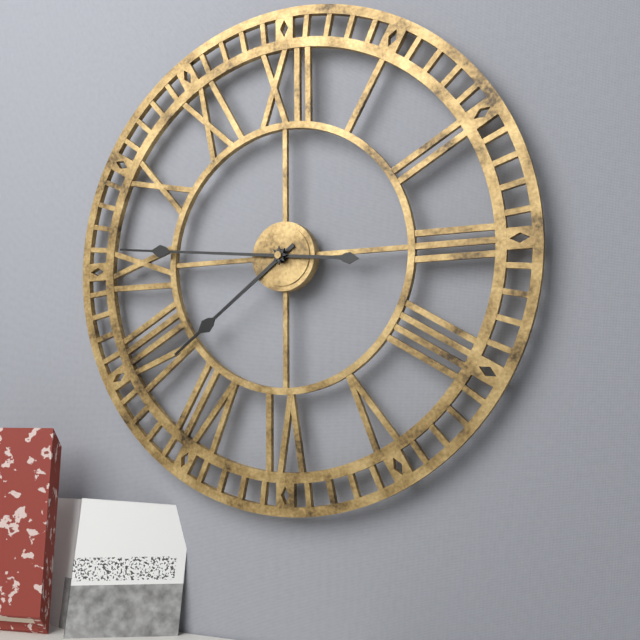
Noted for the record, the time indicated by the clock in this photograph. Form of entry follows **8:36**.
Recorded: **7:46**
